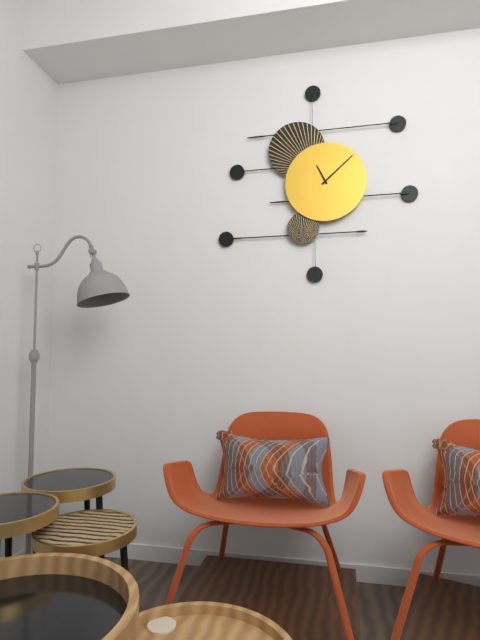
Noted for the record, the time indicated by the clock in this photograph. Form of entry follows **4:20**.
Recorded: **11:08**
